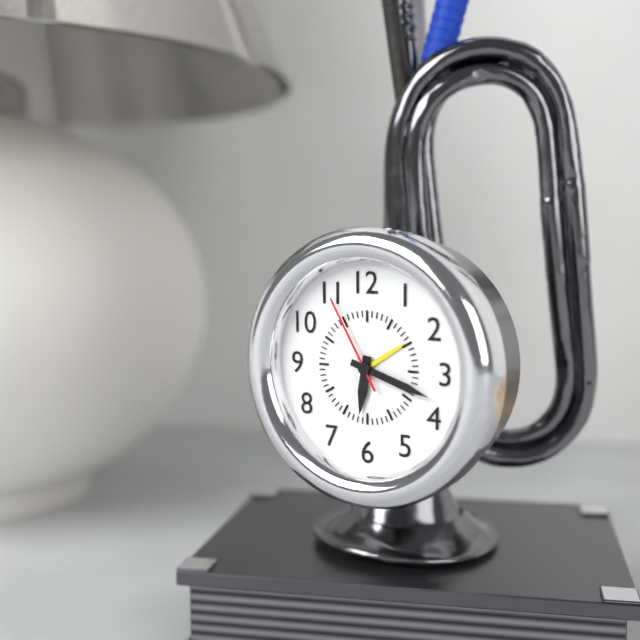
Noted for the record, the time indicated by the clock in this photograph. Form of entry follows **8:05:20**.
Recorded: **6:18:55**
